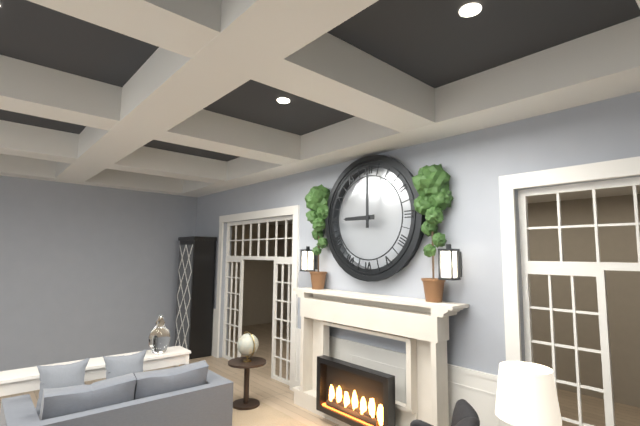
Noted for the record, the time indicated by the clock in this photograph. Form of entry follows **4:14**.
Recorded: **9:00**
